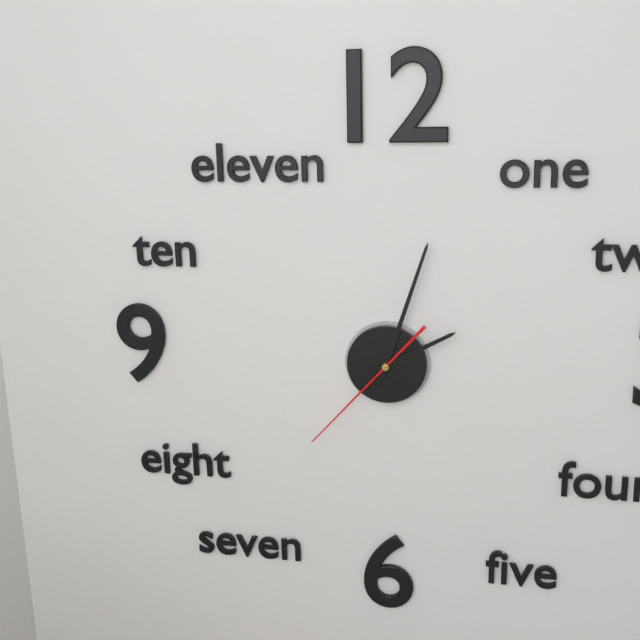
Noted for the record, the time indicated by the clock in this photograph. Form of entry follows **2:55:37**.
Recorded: **2:03:37**
